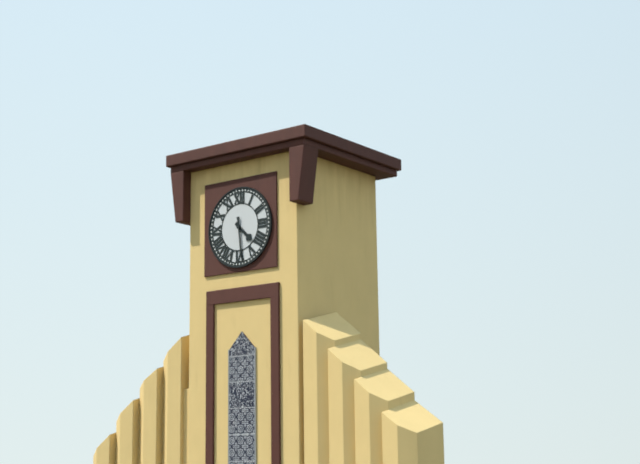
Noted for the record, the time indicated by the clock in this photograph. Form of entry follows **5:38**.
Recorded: **4:29**
